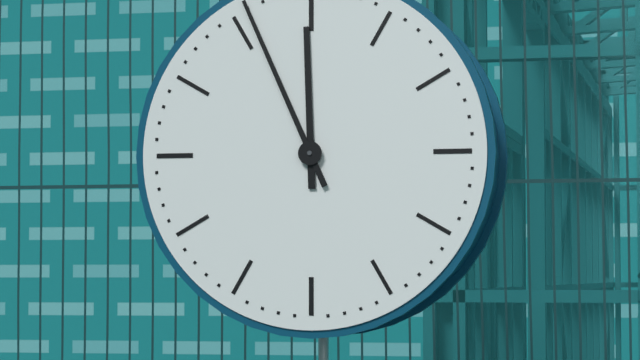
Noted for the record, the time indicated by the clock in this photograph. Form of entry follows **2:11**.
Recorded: **11:56**
